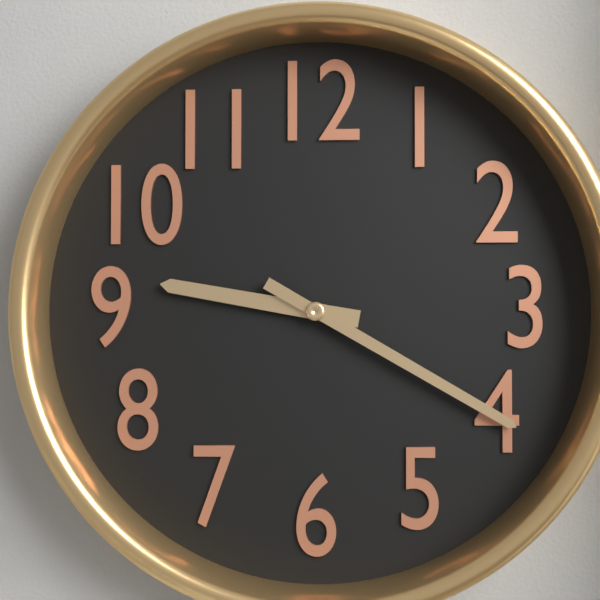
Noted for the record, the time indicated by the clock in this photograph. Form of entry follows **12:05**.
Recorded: **9:20**
